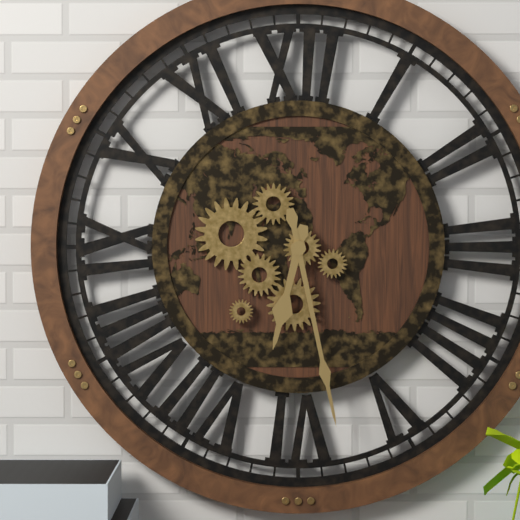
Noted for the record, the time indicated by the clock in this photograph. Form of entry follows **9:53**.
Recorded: **6:28**
